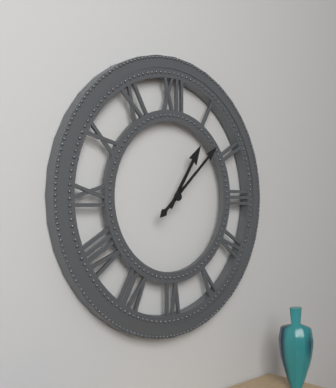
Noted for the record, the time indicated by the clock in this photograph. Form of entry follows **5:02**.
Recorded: **1:08**
